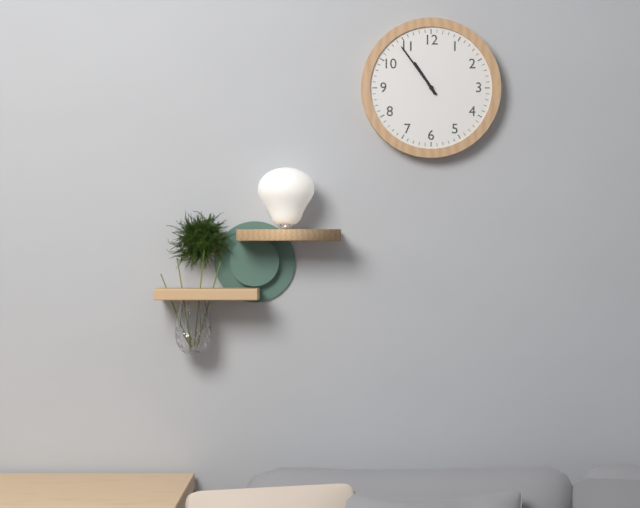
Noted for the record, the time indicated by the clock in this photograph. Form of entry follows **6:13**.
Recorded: **10:54**
